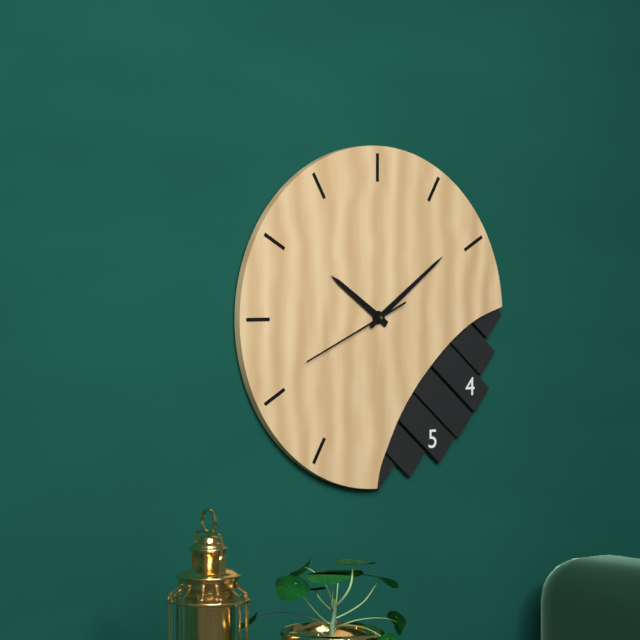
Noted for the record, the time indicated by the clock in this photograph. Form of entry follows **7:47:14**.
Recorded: **10:09:41**
